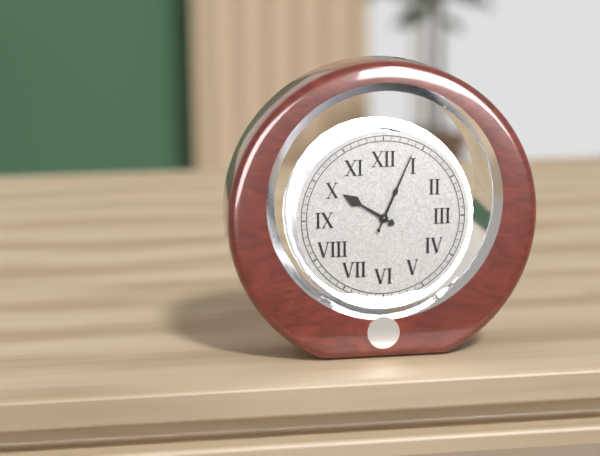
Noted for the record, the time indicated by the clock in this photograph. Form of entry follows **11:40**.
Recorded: **10:04**
